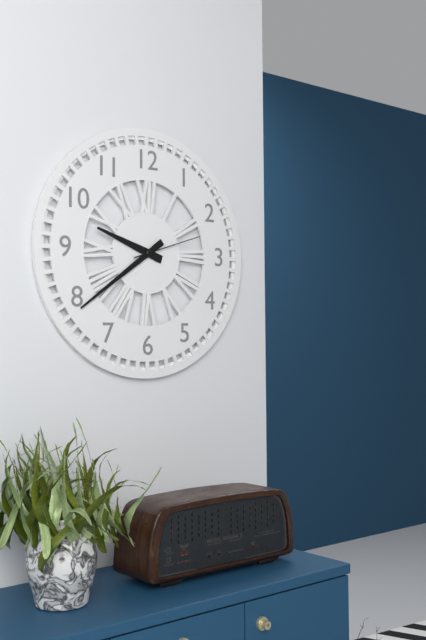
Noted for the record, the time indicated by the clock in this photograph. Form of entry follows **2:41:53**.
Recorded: **9:39:12**
